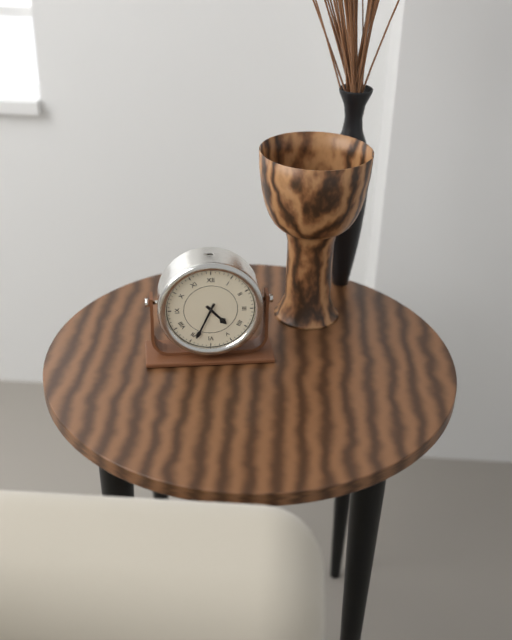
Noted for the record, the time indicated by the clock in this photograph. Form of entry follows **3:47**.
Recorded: **4:34**
